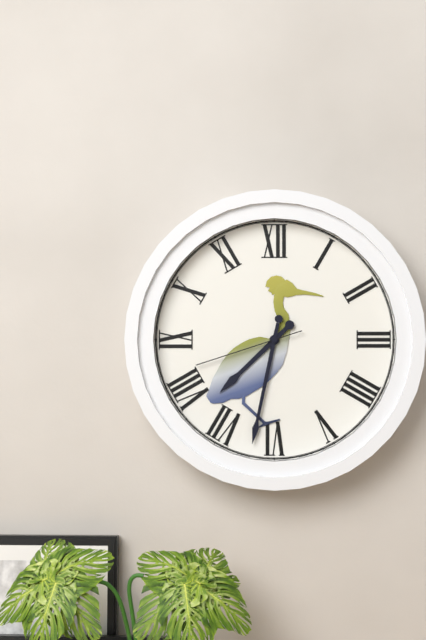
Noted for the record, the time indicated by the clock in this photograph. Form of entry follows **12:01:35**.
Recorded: **7:32:42**
